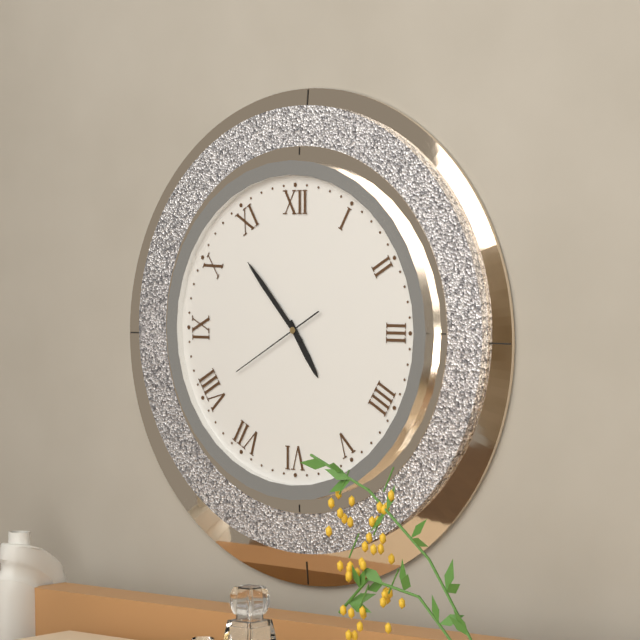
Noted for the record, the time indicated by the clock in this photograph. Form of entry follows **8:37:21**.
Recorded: **4:53:40**
